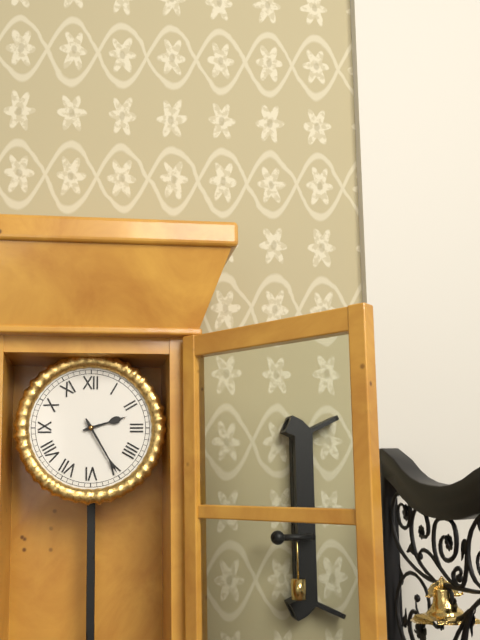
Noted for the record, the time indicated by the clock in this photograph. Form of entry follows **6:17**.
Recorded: **2:25**
